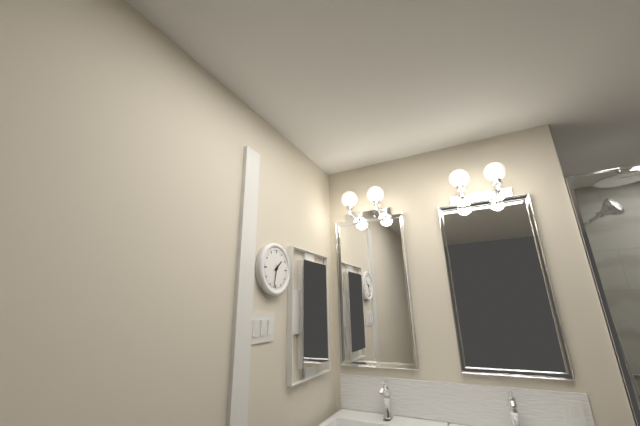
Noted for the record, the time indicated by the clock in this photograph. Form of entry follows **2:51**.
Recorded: **1:32**
